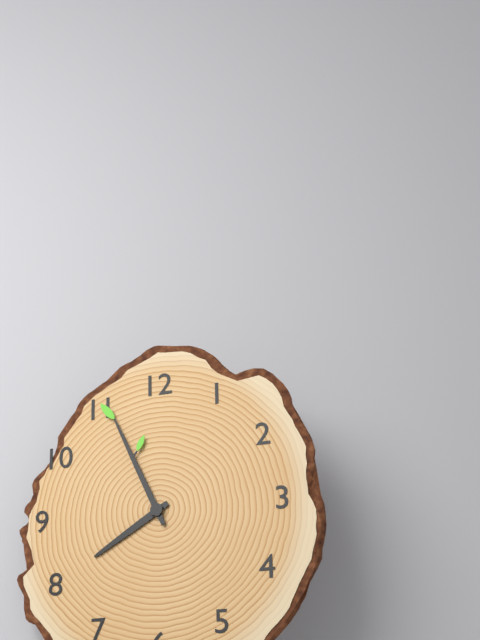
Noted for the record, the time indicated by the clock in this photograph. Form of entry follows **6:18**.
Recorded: **7:56**
